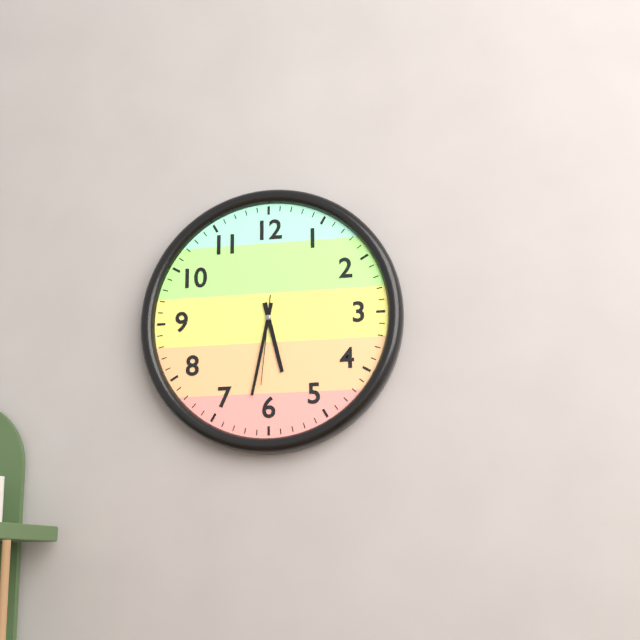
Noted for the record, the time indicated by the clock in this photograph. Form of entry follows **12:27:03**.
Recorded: **5:32:31**
